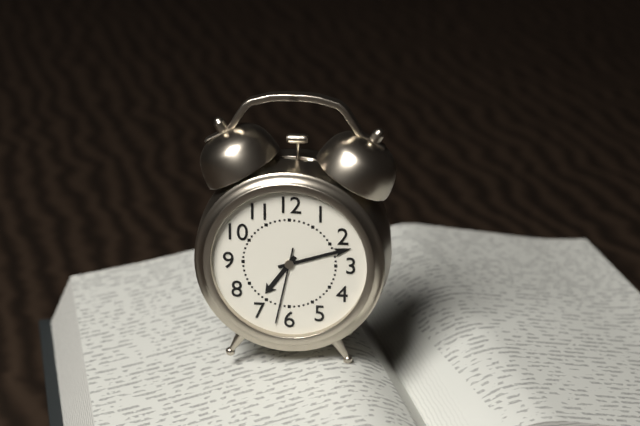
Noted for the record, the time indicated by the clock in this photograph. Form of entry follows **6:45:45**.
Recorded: **7:12:32**
